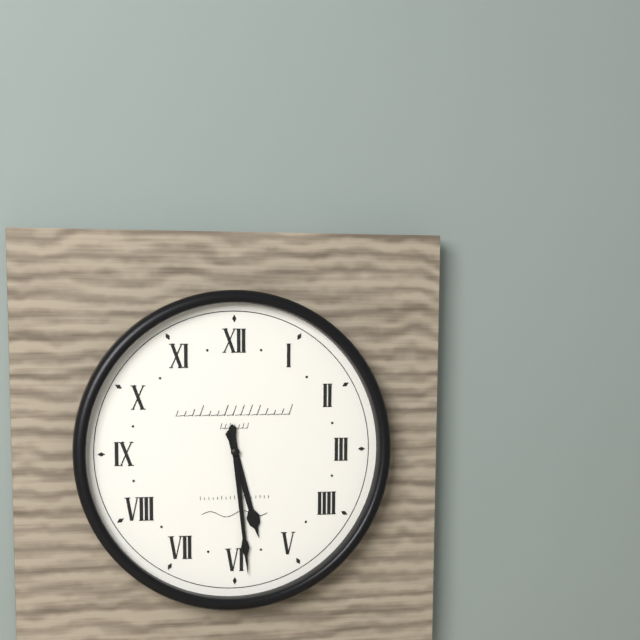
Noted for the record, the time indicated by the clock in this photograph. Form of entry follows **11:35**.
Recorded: **5:29**
